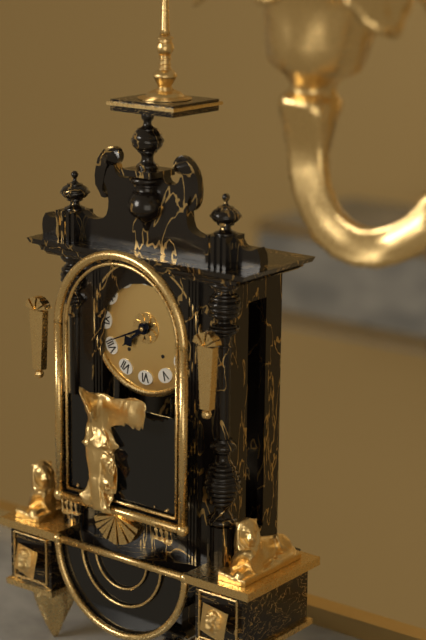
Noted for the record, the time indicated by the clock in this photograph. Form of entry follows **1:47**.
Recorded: **7:41**
